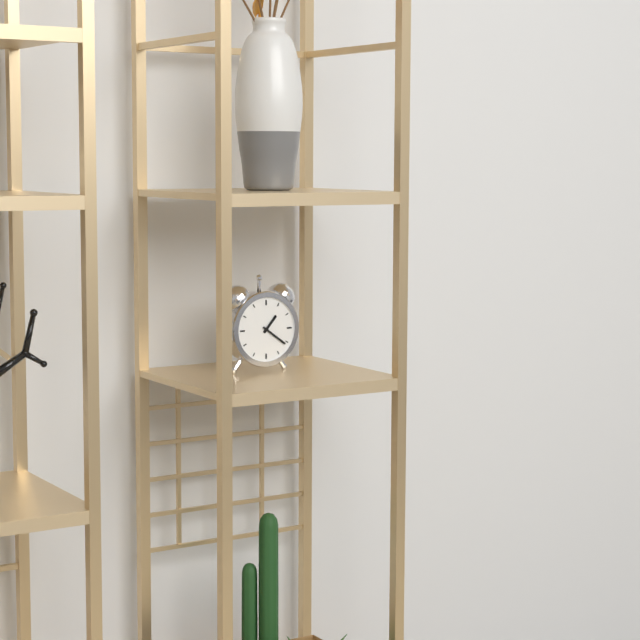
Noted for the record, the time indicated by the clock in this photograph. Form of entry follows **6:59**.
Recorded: **1:21**
